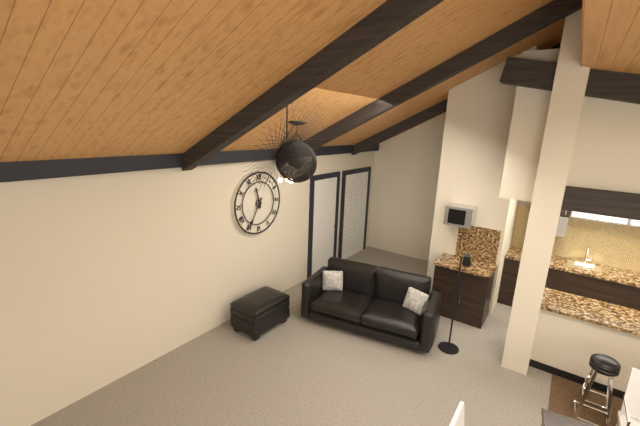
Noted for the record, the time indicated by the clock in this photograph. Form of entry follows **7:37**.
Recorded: **11:35**
